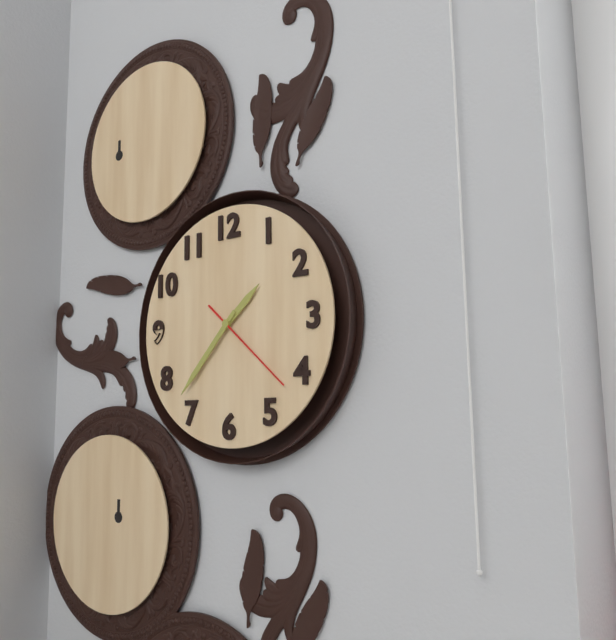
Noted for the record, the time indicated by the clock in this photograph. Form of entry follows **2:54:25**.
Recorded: **1:37:22**
